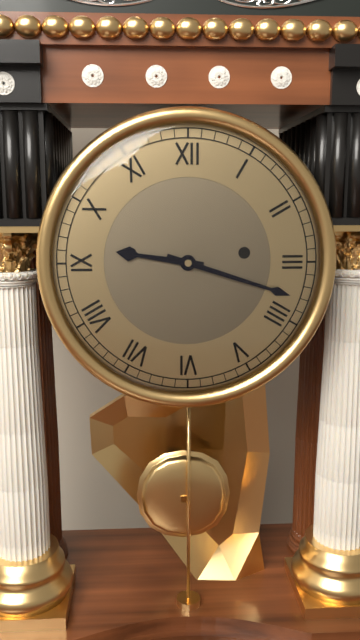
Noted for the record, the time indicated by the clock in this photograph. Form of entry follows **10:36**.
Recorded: **9:18**
